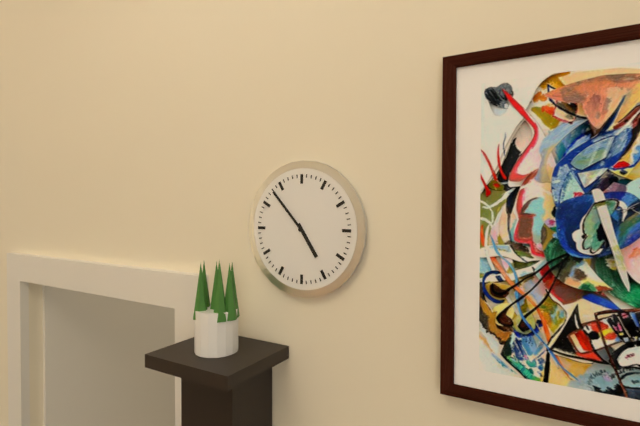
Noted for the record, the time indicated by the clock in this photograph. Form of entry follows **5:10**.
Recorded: **4:53**
